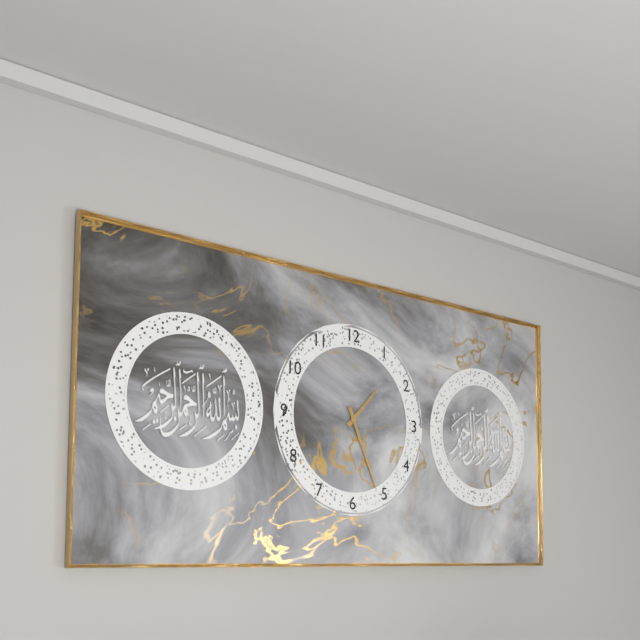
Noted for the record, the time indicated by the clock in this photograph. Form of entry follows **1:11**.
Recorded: **1:26**
